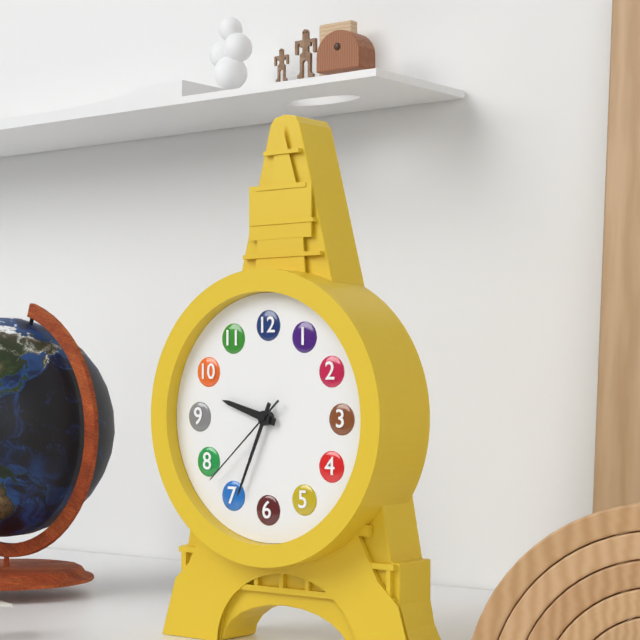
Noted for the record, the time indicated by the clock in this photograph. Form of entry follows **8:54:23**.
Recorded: **9:34:38**
